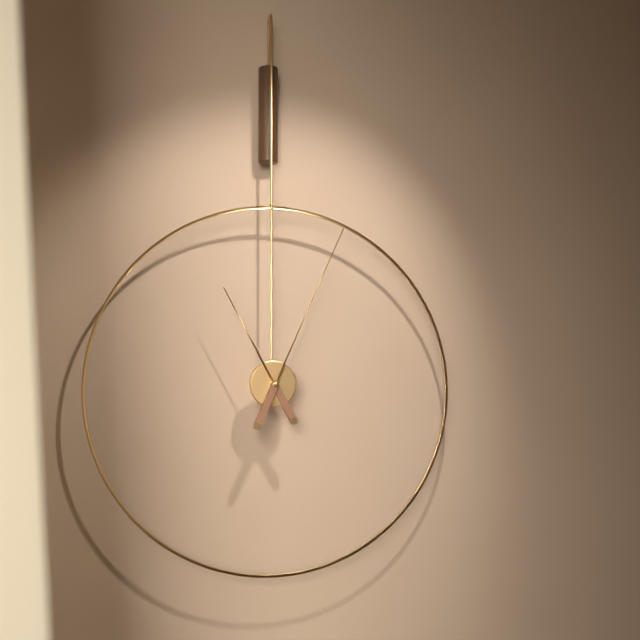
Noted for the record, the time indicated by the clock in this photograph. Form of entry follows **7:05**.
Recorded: **11:04**
